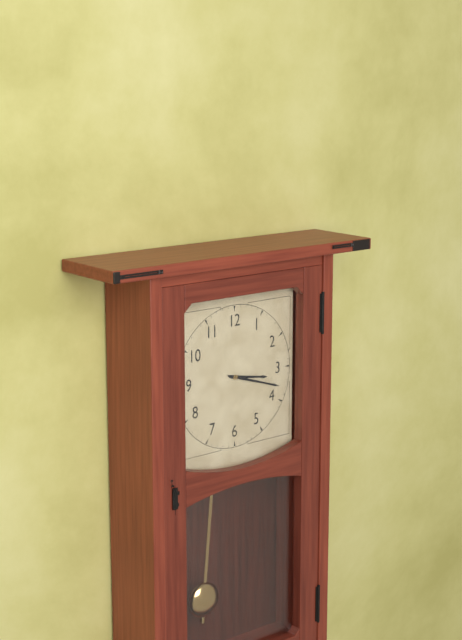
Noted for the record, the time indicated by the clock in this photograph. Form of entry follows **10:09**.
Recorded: **3:18**
